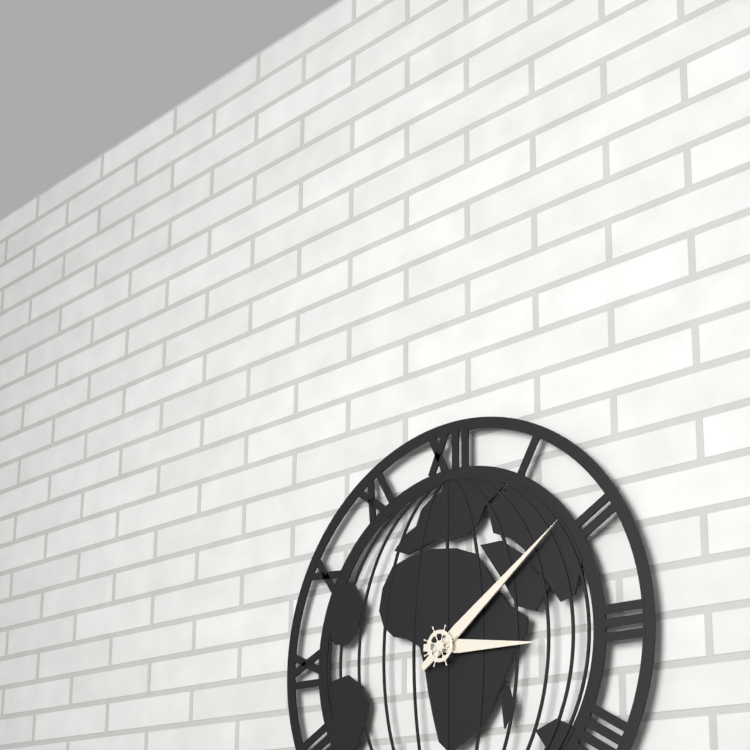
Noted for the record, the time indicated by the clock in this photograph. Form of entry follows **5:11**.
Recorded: **3:09**
